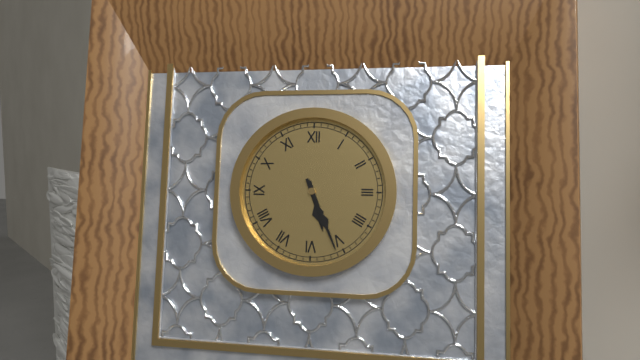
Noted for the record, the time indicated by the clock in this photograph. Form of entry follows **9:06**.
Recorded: **5:26**
